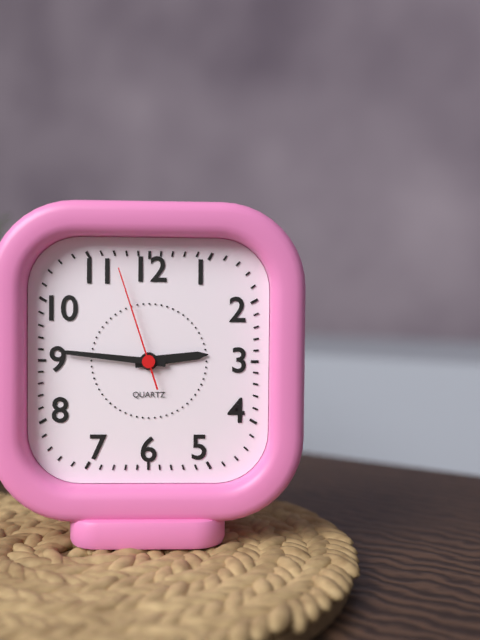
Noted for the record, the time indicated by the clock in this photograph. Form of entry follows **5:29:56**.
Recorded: **2:46:57**
